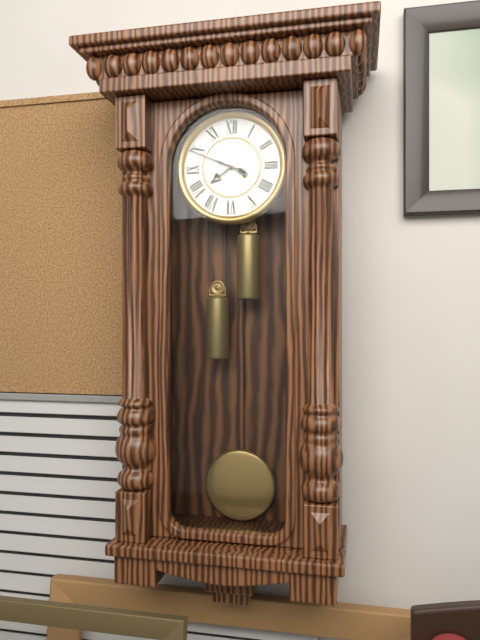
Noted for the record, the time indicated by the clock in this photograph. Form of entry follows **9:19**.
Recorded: **7:49**
